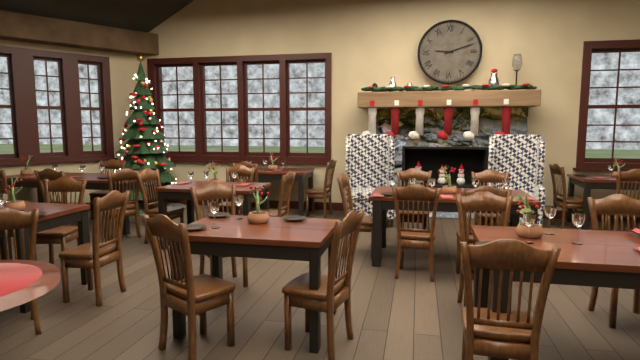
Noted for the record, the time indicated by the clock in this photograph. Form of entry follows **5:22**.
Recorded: **9:12**
